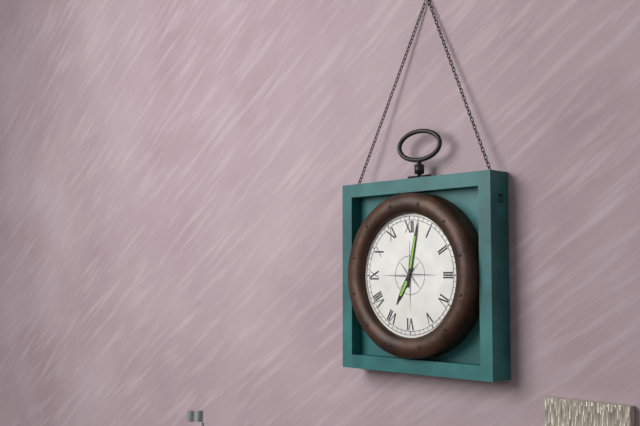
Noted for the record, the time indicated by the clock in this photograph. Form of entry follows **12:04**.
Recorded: **7:02**
